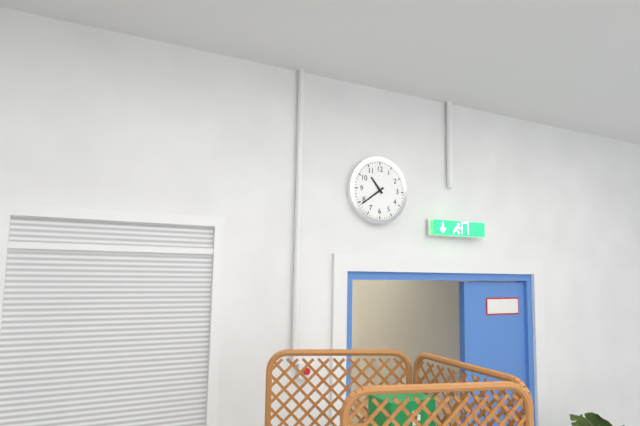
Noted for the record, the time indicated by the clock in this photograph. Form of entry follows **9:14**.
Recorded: **10:39**
